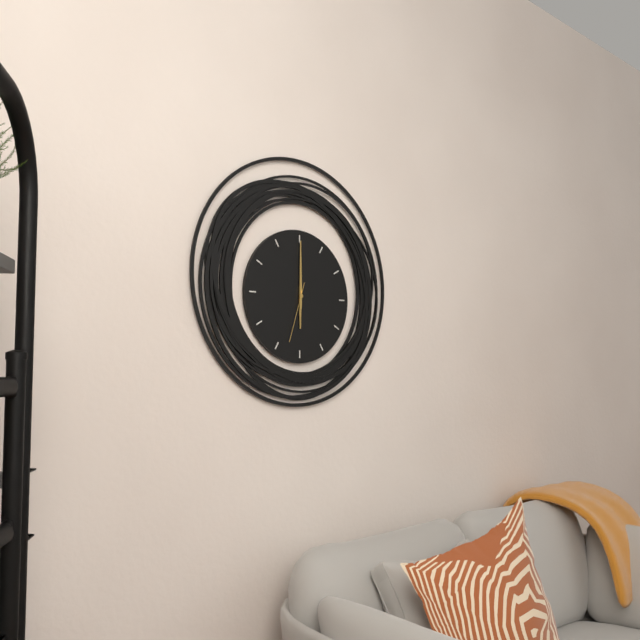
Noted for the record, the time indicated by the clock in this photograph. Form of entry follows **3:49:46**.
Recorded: **6:00:33**
